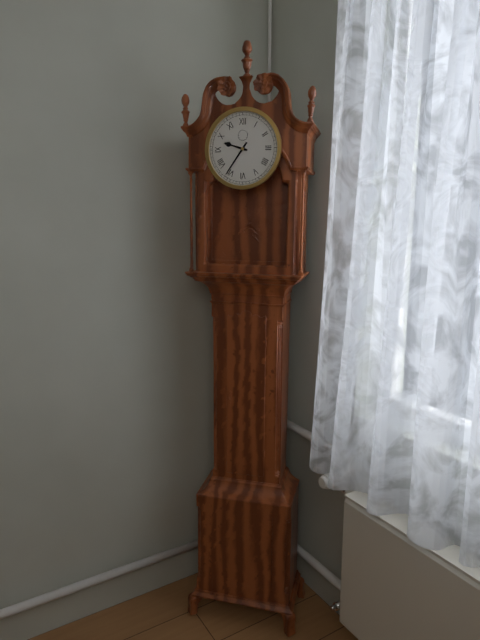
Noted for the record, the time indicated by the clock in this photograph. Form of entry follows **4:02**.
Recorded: **9:36**
